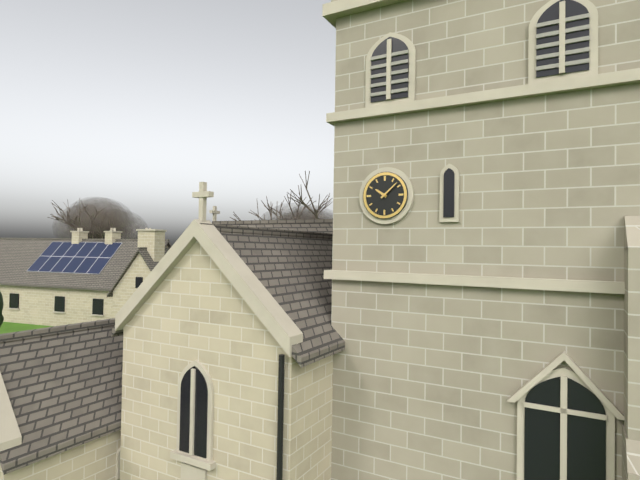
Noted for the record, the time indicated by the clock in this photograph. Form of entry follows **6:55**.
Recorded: **10:08**
